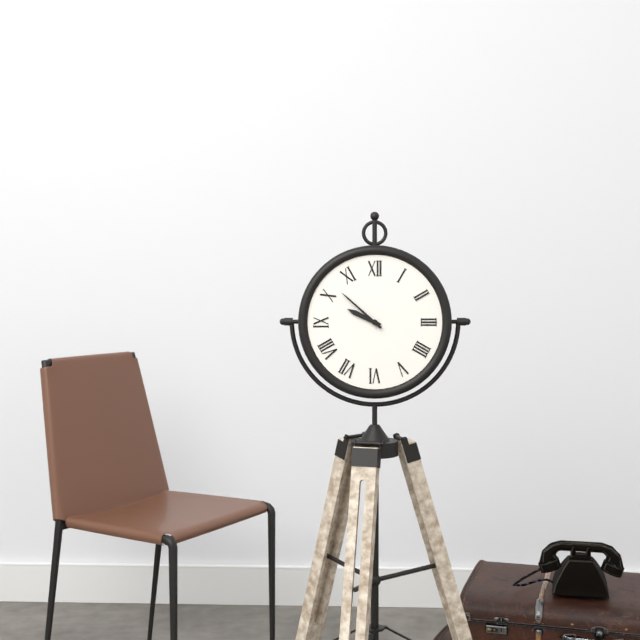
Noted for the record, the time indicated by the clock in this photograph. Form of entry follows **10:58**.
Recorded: **9:52**
